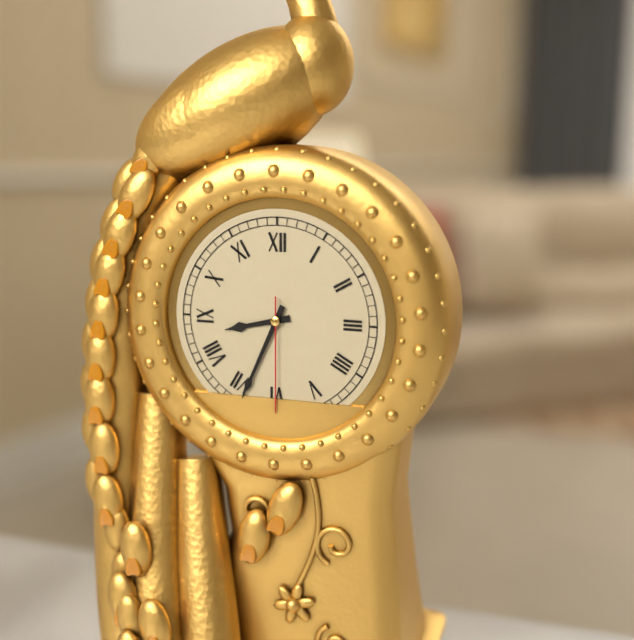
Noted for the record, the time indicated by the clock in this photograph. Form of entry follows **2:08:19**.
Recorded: **8:34:30**
